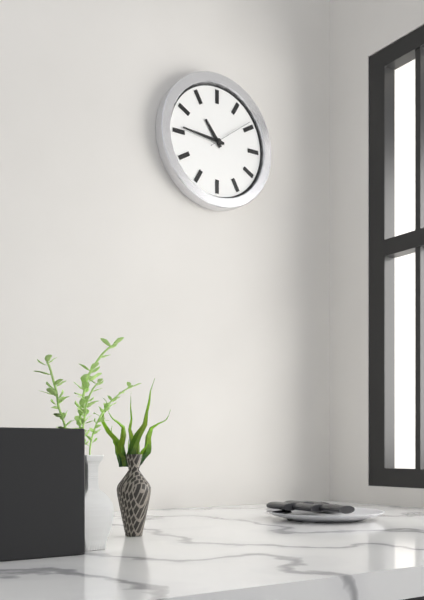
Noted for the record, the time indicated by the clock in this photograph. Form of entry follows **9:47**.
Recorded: **10:46**
